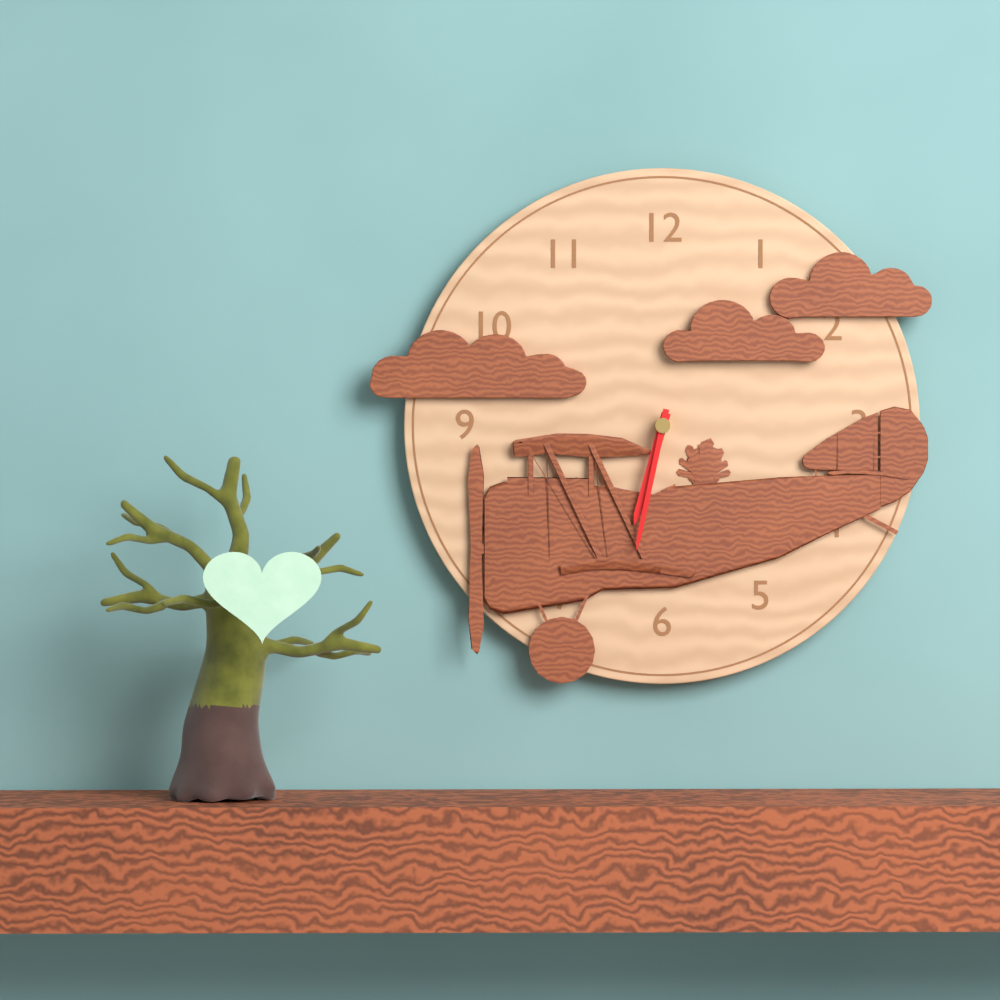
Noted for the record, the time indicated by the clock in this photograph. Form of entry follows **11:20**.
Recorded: **6:32**
